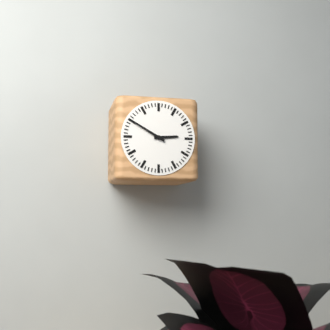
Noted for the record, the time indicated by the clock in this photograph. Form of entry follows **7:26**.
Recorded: **2:50**
